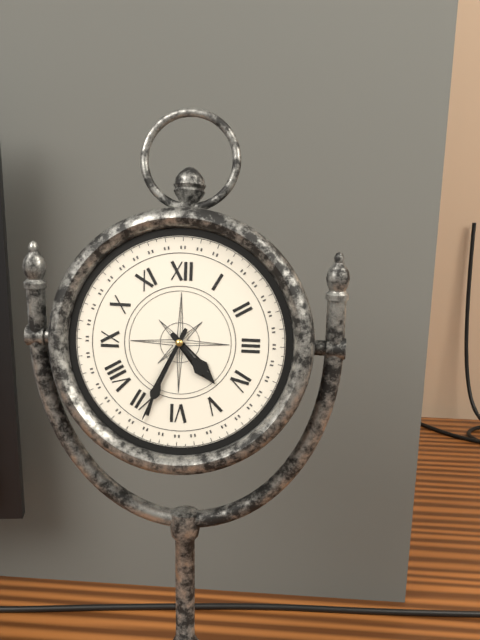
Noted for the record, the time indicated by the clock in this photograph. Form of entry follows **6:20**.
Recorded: **4:34**
